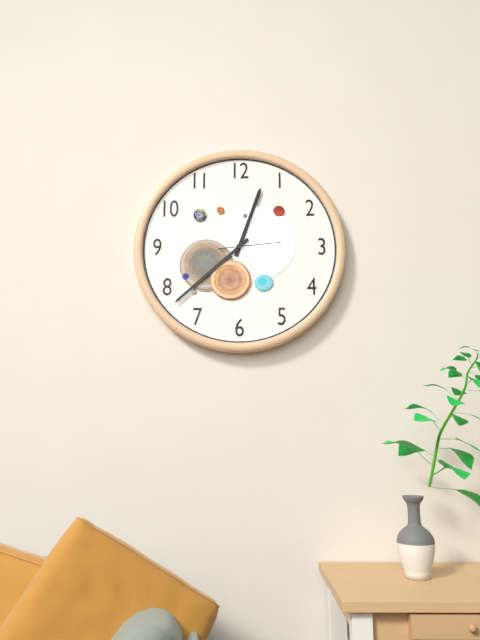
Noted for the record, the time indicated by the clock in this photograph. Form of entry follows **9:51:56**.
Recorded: **12:38:14**
